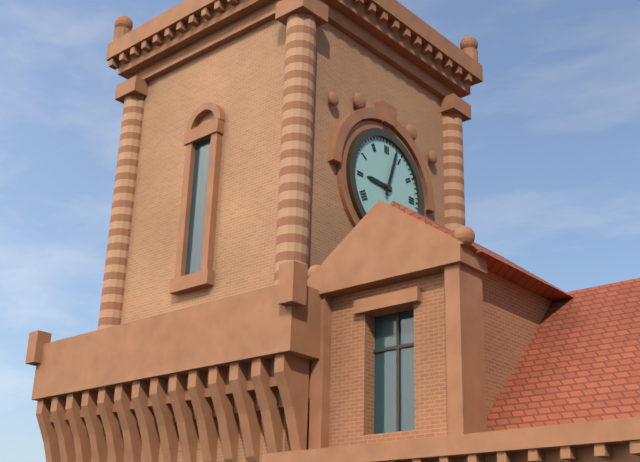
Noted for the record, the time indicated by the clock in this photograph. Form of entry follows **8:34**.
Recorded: **9:03**
